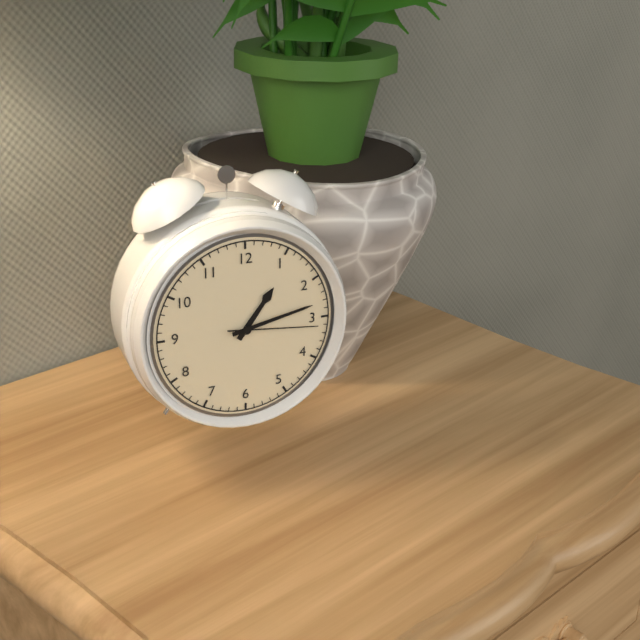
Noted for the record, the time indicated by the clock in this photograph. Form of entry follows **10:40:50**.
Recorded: **1:13:16**
